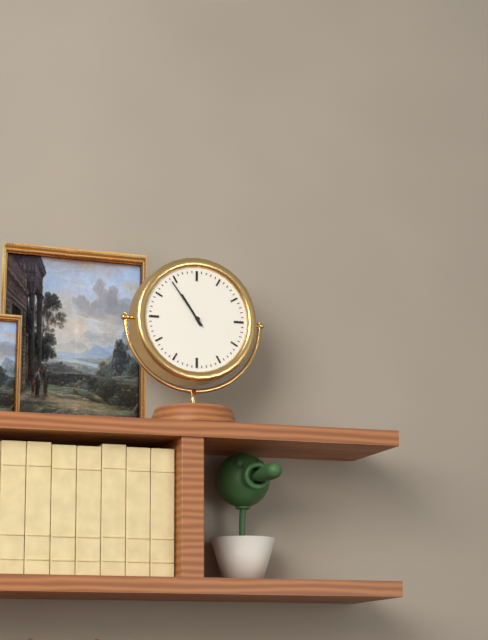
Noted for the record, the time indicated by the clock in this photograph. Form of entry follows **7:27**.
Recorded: **10:54**
